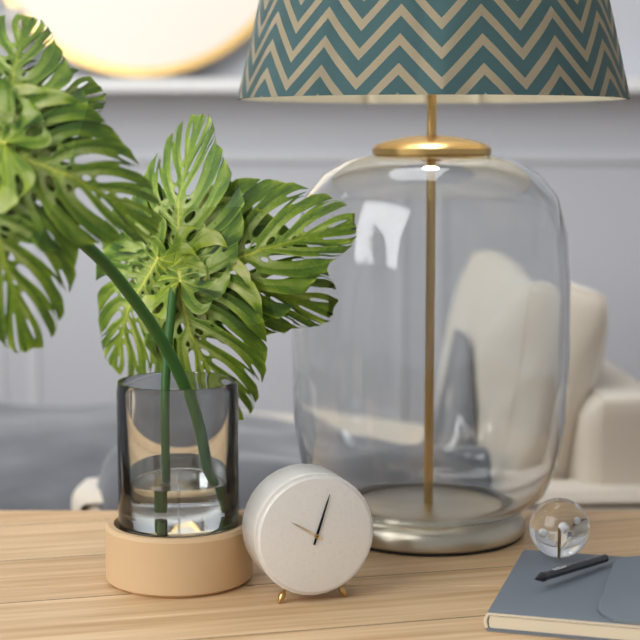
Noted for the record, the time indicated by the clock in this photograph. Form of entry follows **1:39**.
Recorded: **10:03**
